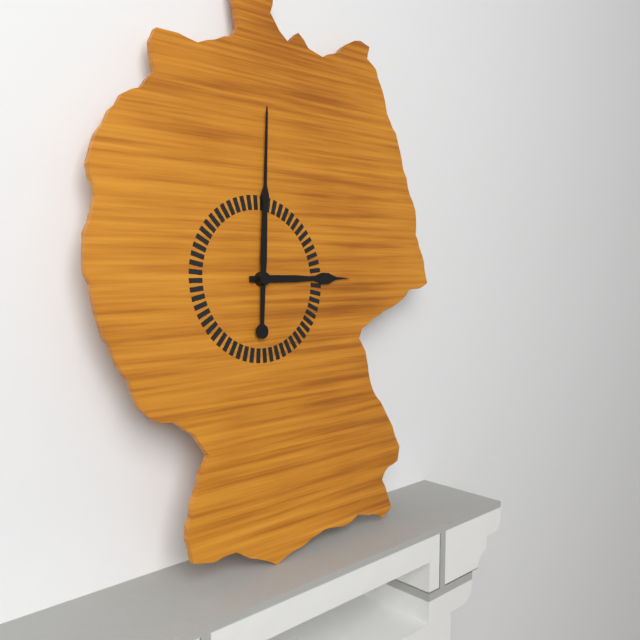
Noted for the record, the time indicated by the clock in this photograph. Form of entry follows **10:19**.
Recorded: **3:01**
